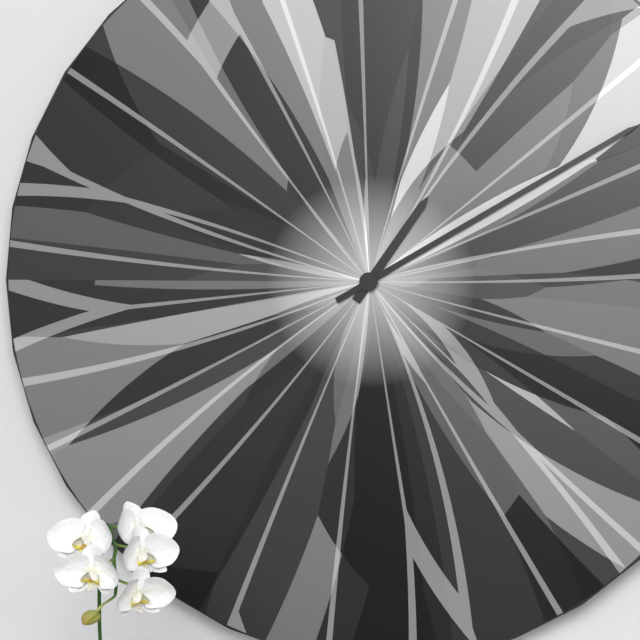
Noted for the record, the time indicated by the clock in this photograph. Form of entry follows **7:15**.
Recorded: **1:10**
